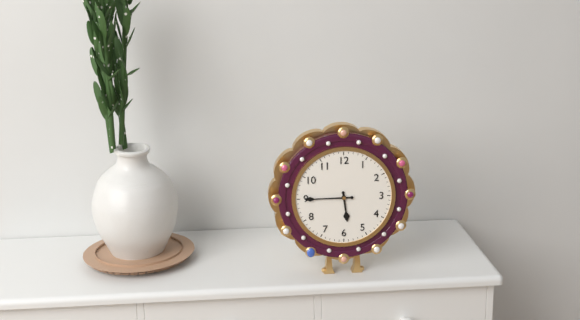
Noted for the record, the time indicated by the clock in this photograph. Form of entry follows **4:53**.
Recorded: **5:45**
